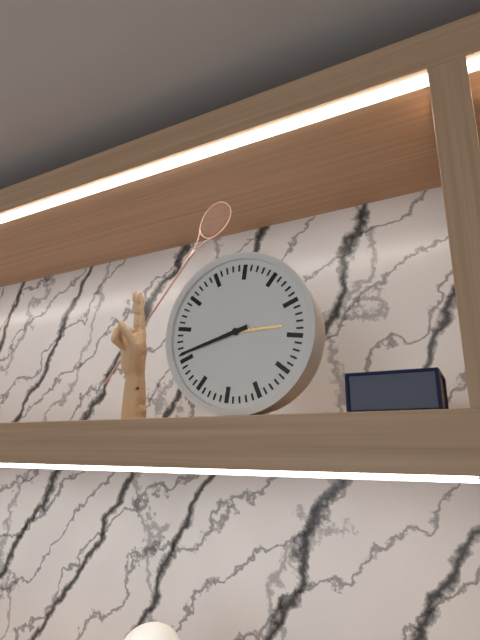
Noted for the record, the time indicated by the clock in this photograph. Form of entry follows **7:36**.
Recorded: **2:41**
